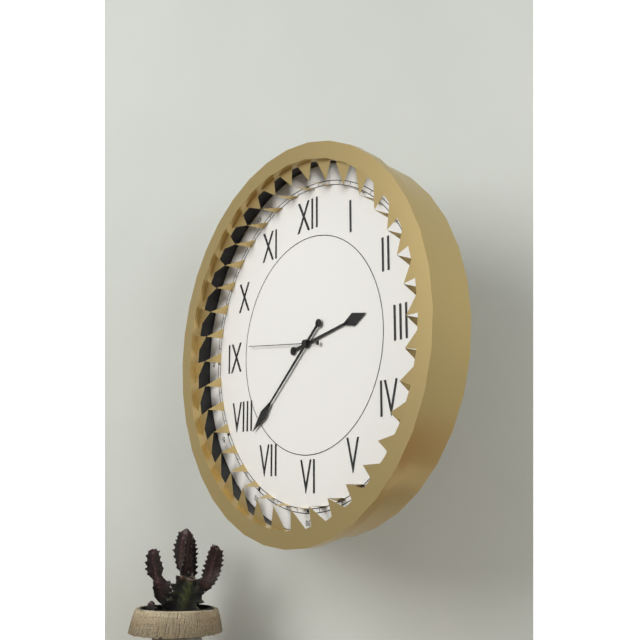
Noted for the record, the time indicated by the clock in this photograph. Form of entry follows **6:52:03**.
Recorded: **2:38:46**
